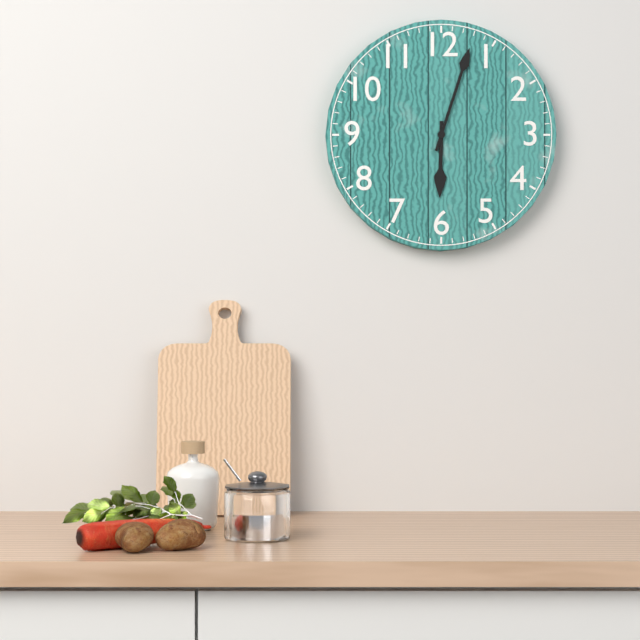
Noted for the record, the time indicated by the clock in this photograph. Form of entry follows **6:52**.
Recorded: **6:03**
